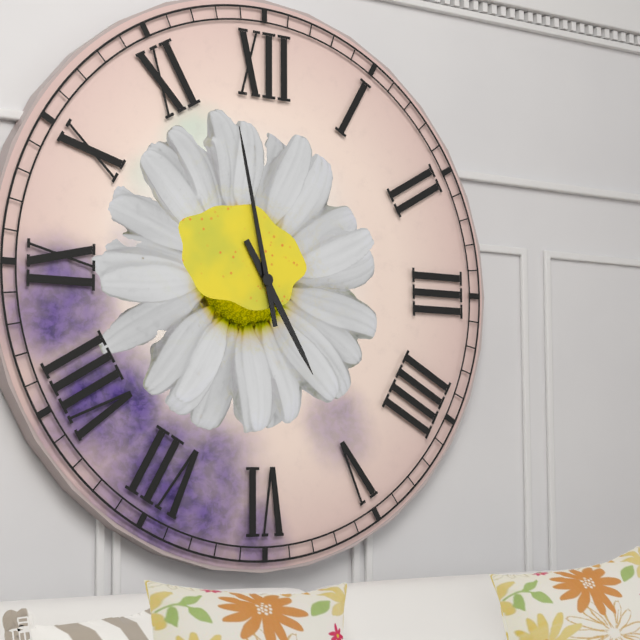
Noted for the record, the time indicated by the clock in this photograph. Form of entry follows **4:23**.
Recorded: **4:58**
